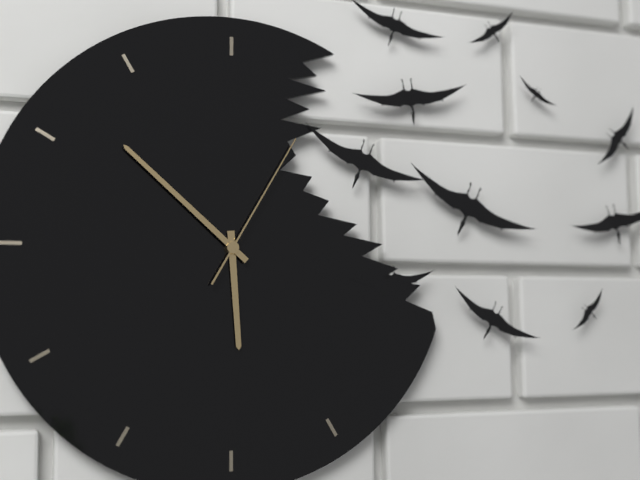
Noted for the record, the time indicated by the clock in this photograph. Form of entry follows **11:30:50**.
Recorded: **5:52:05**
